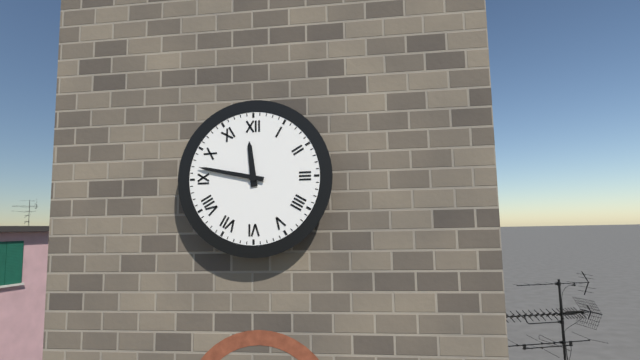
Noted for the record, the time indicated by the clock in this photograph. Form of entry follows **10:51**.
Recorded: **11:47**
